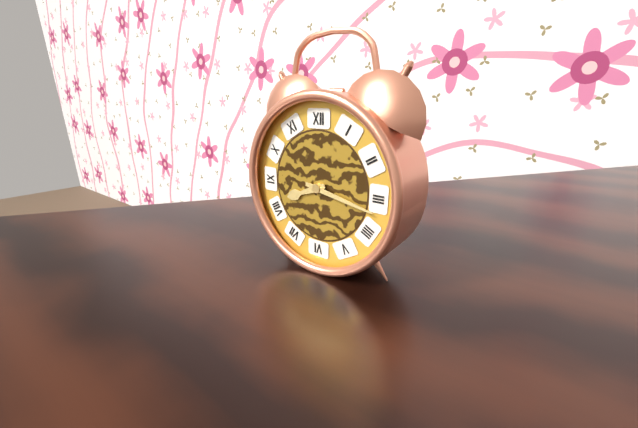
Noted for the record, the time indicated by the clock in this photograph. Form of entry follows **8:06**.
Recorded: **8:17**
